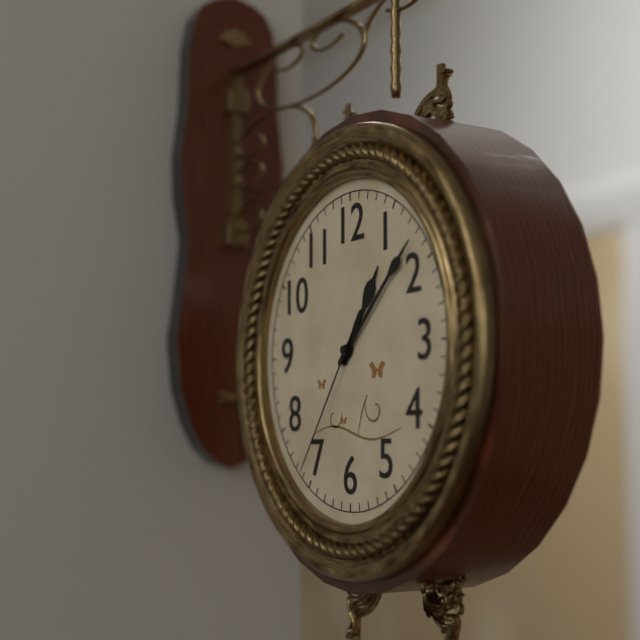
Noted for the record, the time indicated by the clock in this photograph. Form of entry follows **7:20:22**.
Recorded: **1:08:36**
